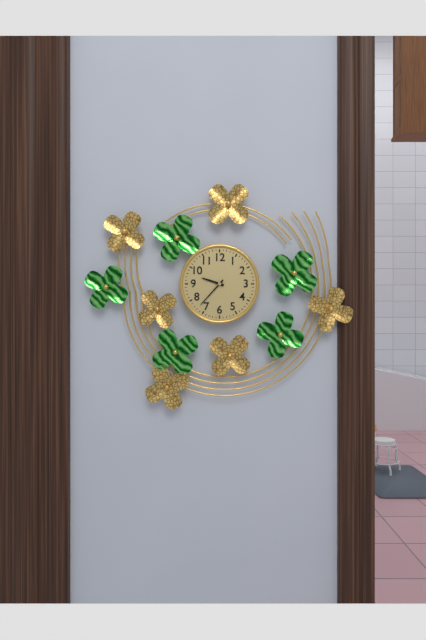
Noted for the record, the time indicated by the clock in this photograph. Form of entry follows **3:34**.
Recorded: **9:37**
